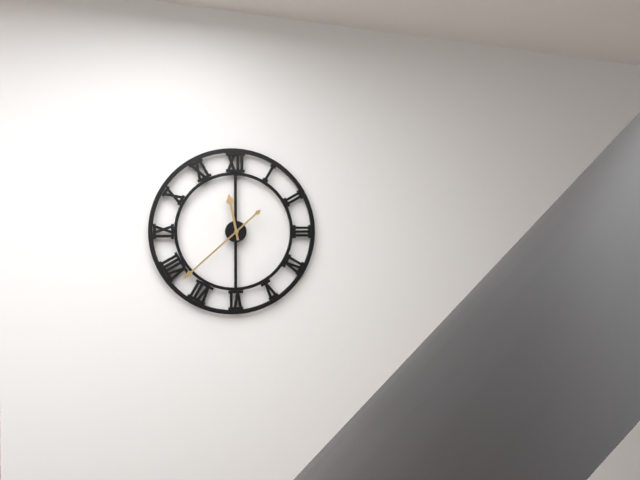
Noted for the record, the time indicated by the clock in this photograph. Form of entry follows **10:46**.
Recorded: **11:38**
